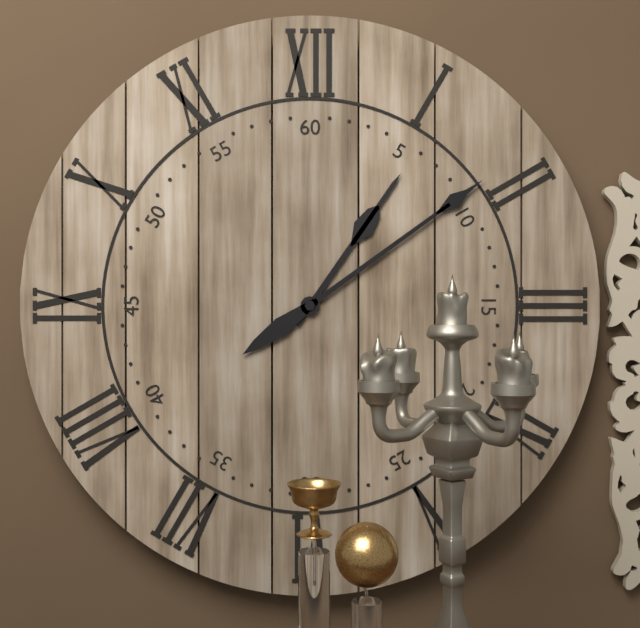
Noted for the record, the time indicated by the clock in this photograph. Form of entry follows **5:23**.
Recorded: **1:09**
